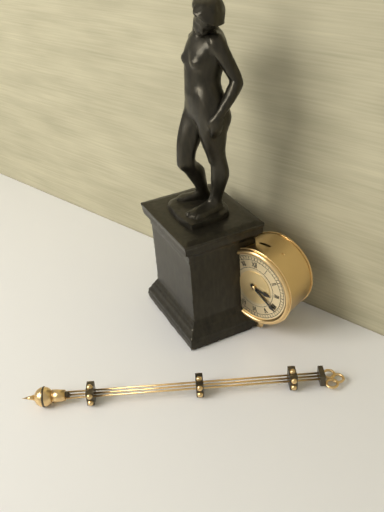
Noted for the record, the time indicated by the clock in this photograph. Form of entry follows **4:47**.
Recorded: **3:21**
